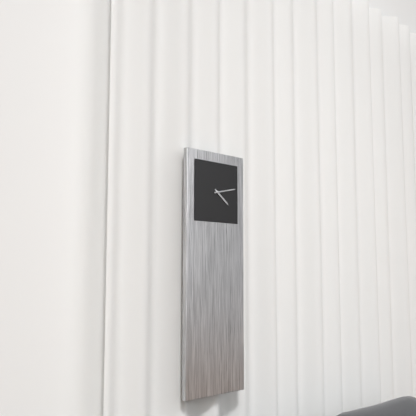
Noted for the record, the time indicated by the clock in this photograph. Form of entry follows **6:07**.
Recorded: **4:13**
